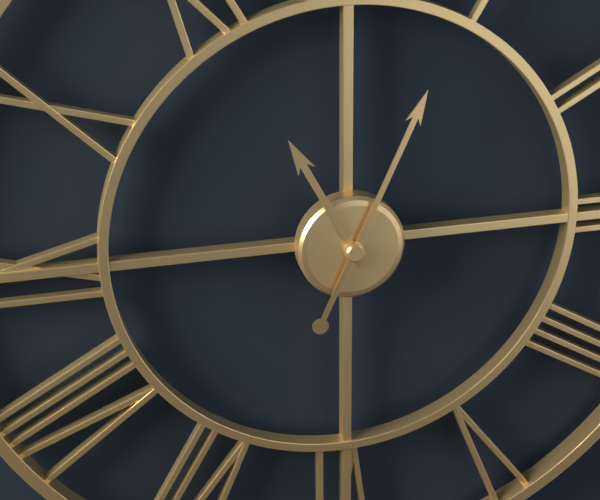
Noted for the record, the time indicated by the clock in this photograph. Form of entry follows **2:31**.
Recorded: **11:04**
